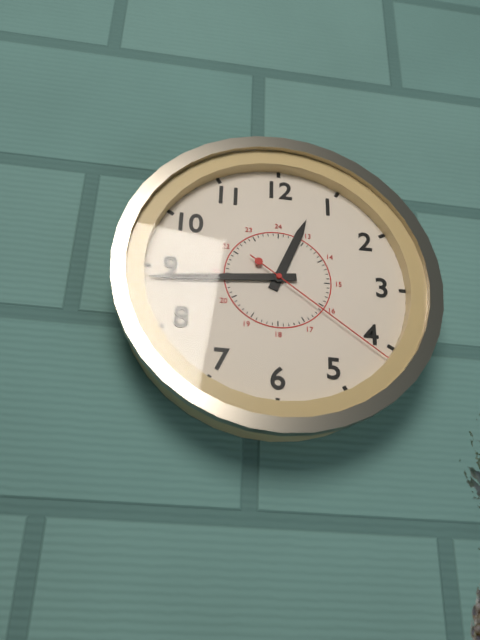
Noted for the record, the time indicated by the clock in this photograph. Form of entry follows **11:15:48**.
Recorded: **12:44:21**
